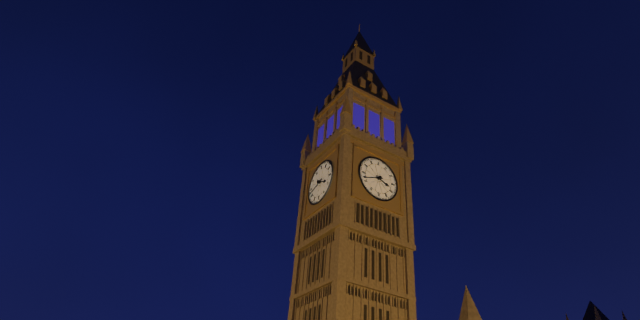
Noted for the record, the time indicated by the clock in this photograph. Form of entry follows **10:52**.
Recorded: **3:42**
